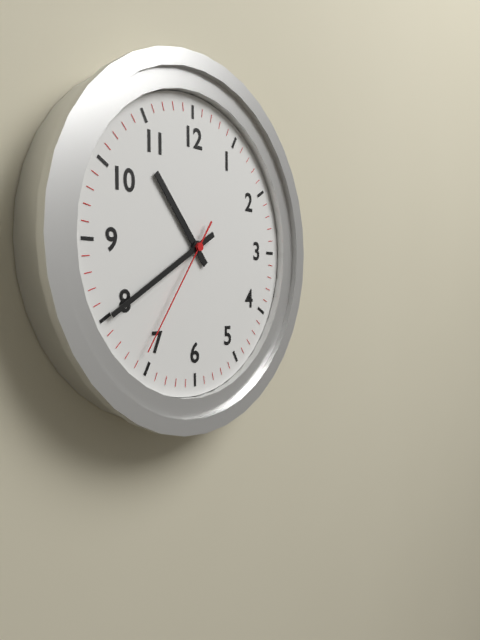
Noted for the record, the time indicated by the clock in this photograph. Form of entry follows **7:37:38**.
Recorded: **10:40:36**
